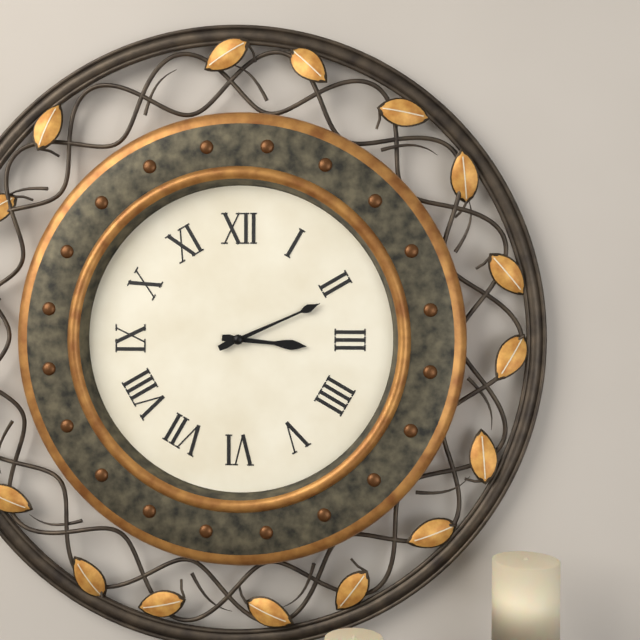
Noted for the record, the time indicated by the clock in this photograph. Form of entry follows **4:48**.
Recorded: **3:11**
